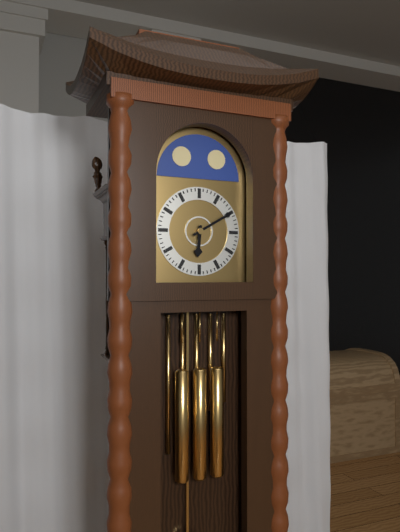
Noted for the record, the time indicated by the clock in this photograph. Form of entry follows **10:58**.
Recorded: **6:10**
